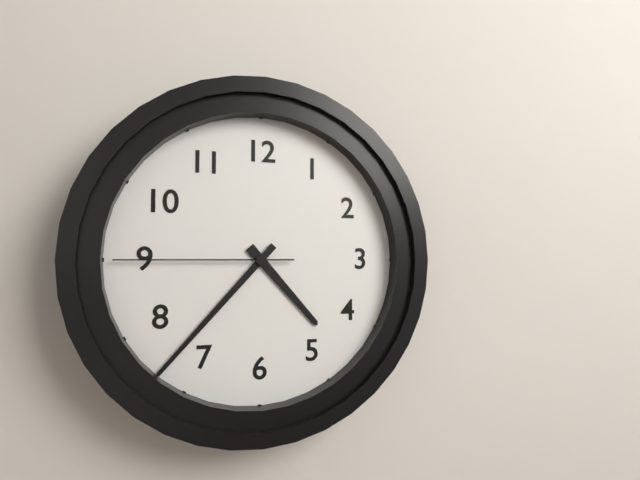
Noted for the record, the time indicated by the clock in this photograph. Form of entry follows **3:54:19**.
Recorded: **4:37:45**
